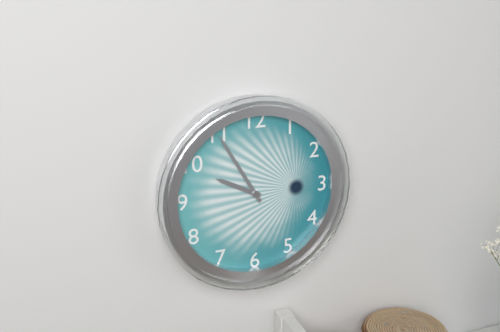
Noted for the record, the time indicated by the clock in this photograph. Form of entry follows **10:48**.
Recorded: **9:55**
